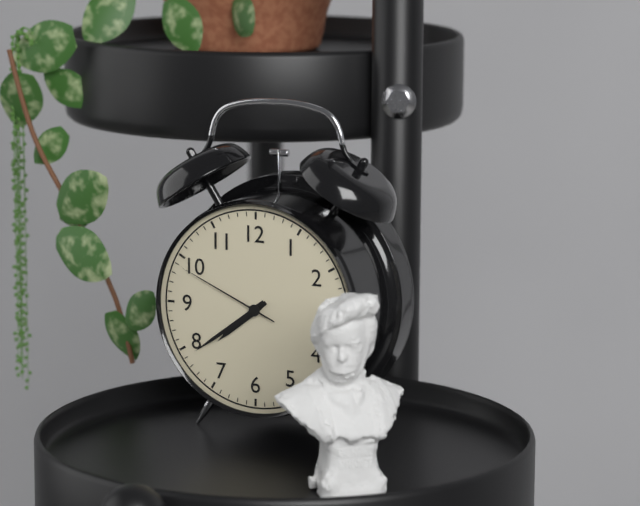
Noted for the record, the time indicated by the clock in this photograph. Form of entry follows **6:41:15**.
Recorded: **7:39:49**
